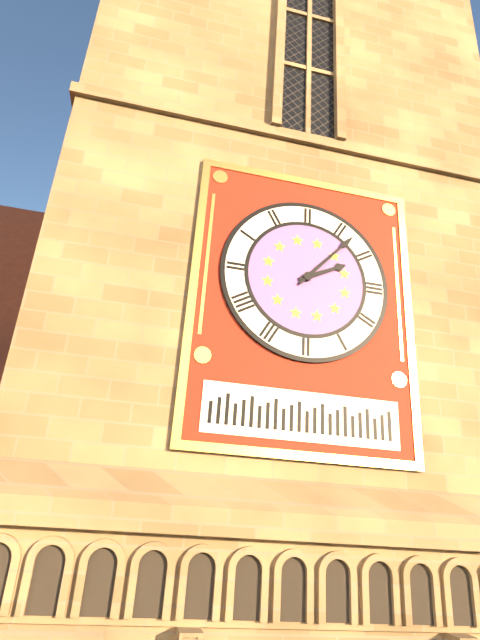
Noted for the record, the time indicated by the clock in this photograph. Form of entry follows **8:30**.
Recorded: **2:07**
